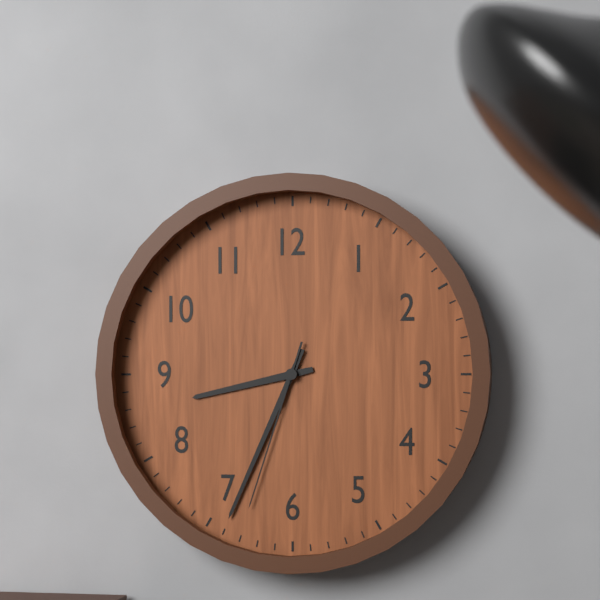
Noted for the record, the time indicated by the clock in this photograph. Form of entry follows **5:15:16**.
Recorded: **8:34:33**
